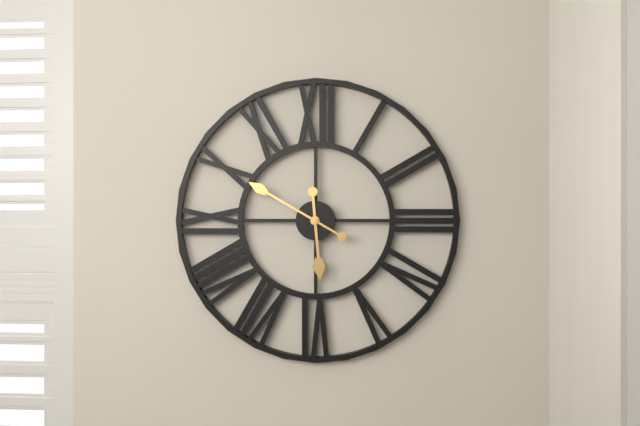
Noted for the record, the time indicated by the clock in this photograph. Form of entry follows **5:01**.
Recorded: **5:50**
